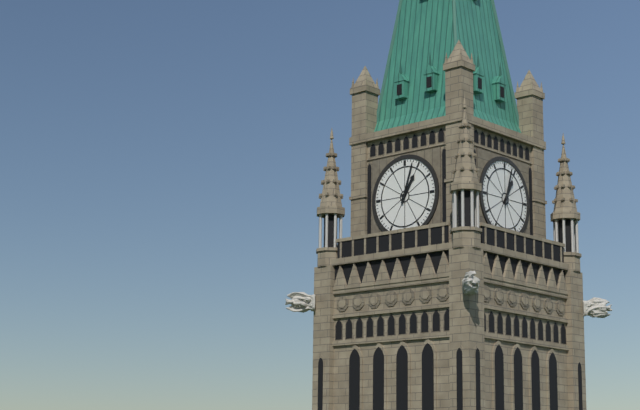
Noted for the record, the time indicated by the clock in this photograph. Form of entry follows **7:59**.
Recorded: **1:03**
